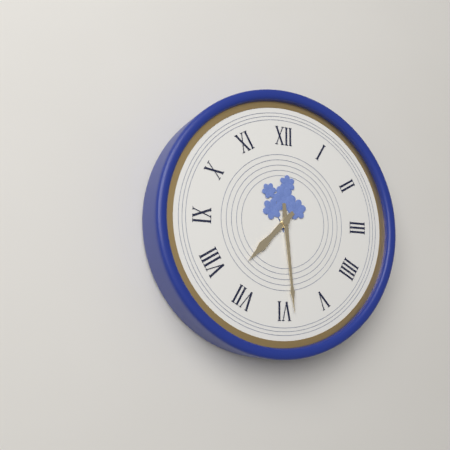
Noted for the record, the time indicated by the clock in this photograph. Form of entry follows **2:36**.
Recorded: **7:29**
